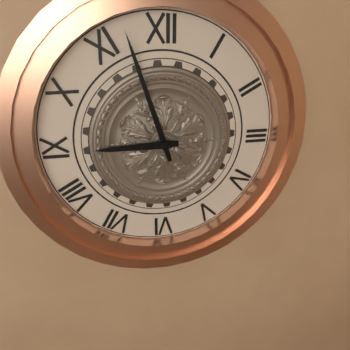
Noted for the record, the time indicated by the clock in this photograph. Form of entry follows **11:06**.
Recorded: **8:57**
